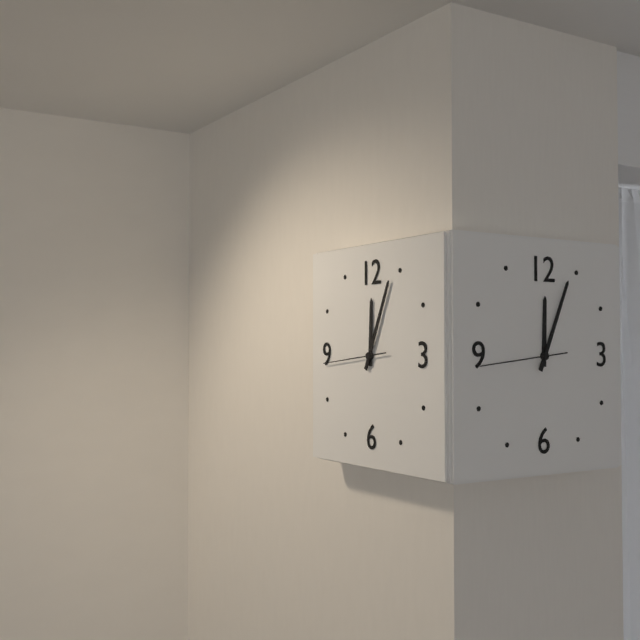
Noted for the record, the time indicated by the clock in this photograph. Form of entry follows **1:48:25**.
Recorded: **12:04:44**
